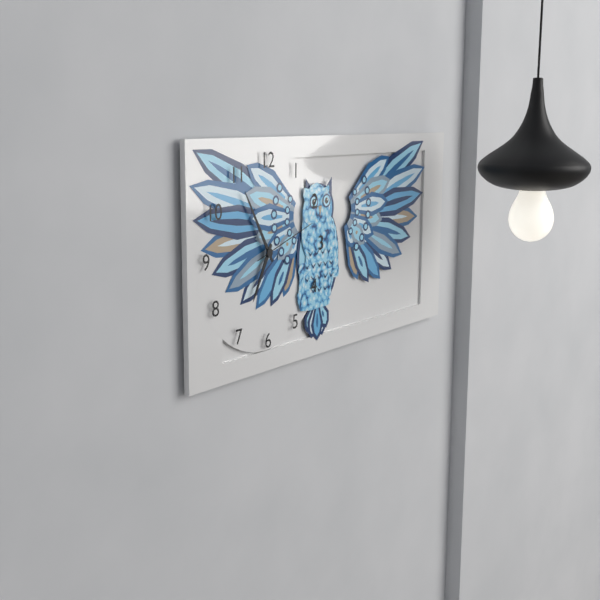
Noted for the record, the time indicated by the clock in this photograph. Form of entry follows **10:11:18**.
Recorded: **6:55:12**
